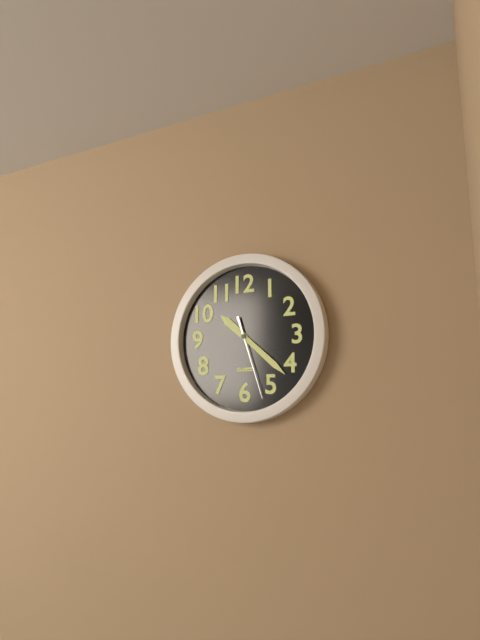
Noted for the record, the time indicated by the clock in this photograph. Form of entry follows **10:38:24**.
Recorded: **10:22:27**
